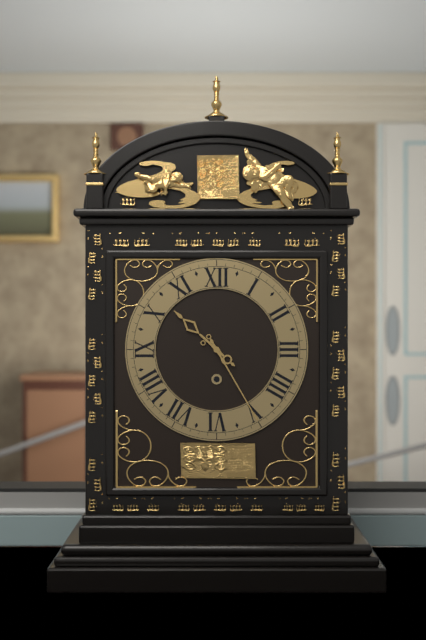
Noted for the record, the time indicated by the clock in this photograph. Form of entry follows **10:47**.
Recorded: **10:25**
